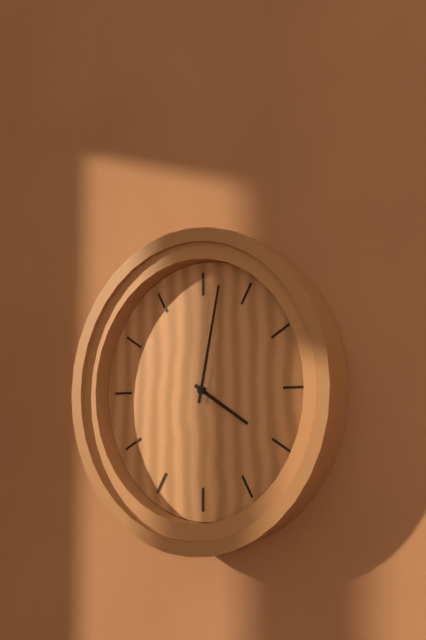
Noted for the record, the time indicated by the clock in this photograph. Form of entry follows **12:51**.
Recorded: **4:02**
